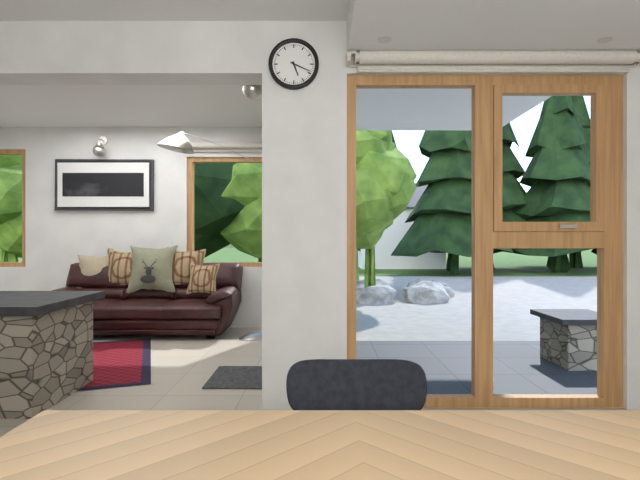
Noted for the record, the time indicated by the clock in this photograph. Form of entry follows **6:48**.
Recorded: **5:19**
